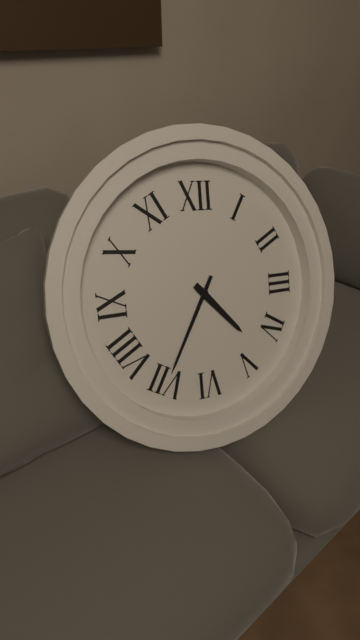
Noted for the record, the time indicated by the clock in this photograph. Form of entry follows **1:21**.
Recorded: **4:35**
